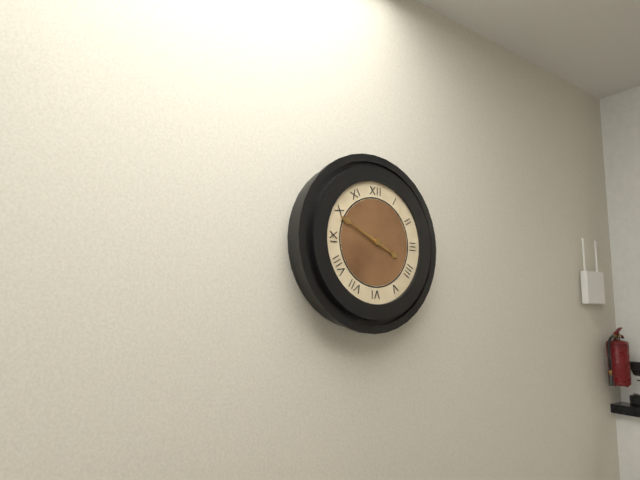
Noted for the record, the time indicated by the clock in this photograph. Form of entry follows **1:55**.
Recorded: **3:49**
